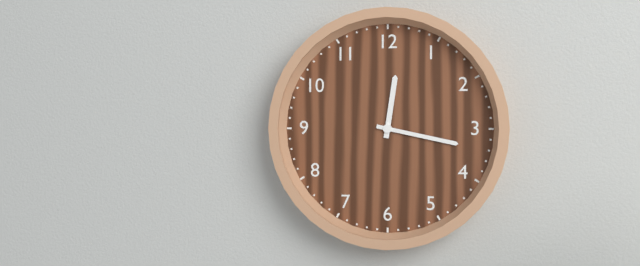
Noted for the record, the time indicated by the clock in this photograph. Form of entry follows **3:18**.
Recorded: **12:17**
